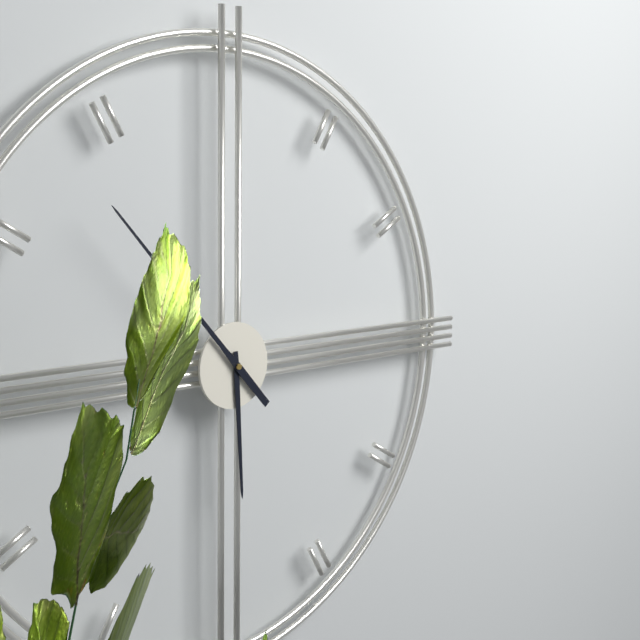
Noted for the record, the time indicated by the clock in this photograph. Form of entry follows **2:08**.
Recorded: **5:53**
